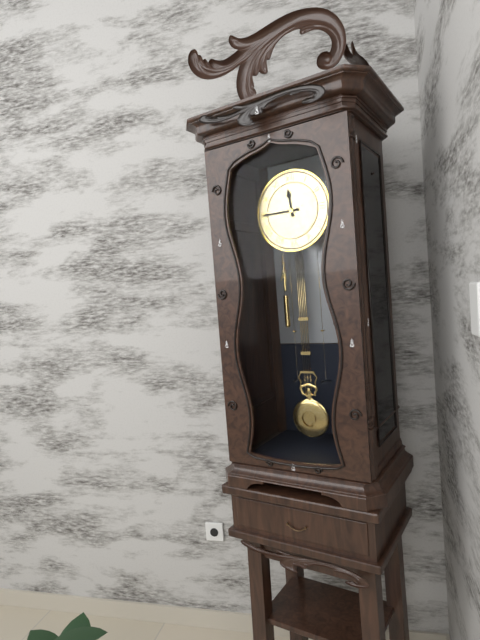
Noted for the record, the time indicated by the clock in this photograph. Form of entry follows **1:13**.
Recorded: **11:45**
